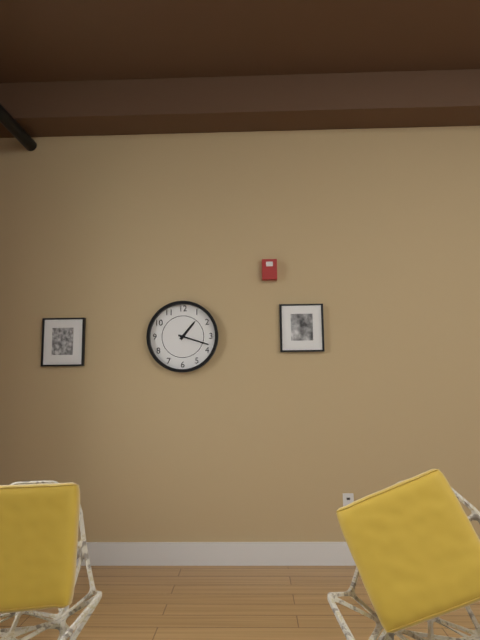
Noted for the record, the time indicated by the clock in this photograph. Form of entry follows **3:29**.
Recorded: **1:18**
